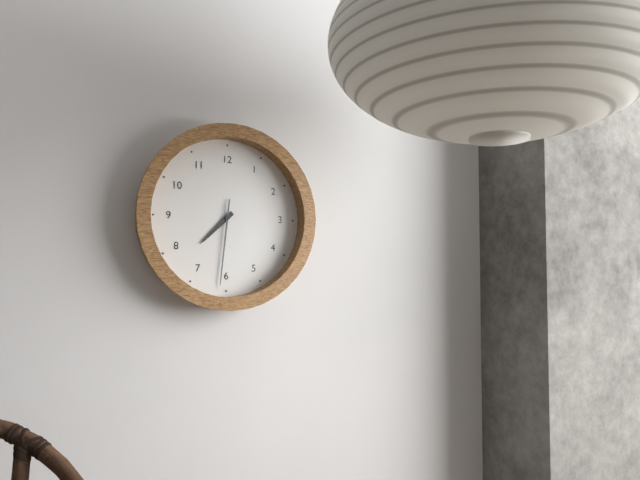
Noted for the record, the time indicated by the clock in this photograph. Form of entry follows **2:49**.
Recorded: **7:31**
